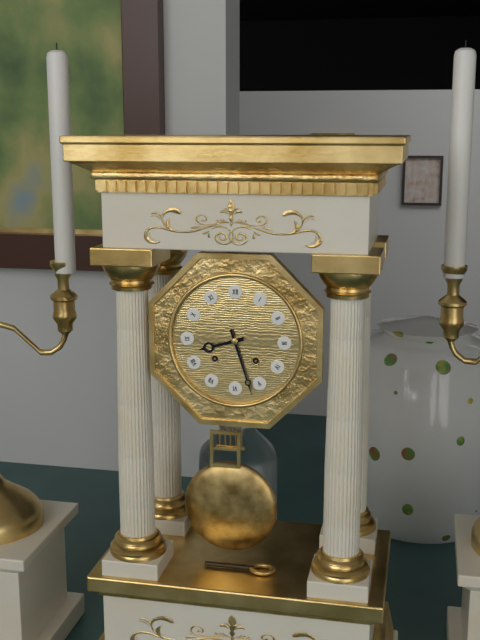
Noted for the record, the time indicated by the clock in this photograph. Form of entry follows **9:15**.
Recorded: **8:27**
